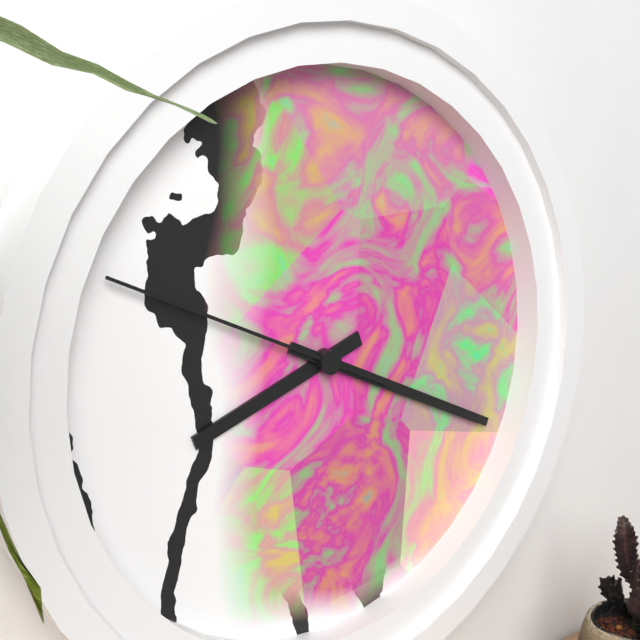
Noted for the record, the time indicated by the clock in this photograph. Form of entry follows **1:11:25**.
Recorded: **8:19:49**
